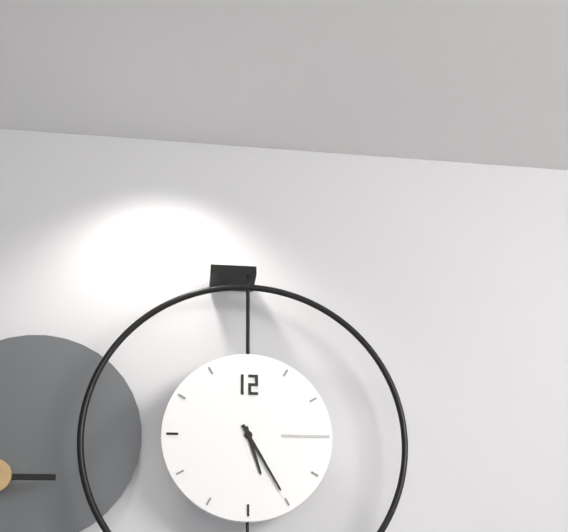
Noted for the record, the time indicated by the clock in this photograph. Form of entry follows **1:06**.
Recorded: **5:25**
